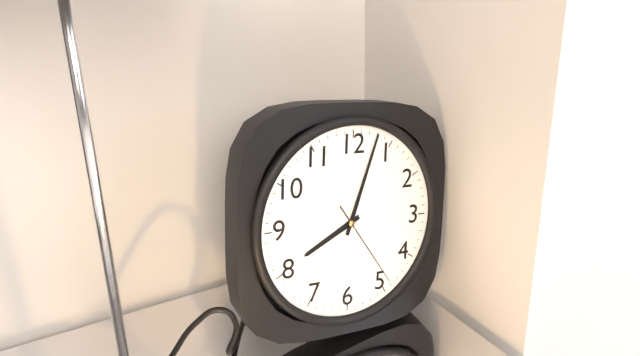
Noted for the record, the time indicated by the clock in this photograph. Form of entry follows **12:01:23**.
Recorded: **8:03:24**
